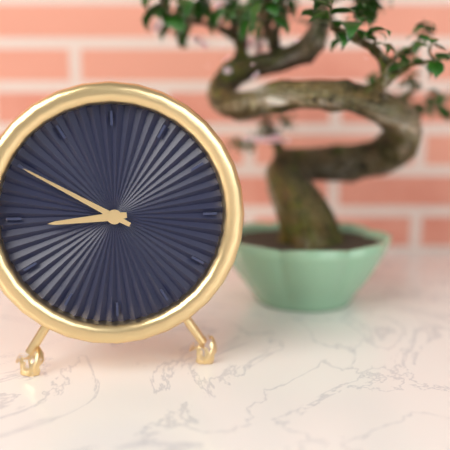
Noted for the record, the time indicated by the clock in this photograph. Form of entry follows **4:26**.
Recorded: **8:50**
